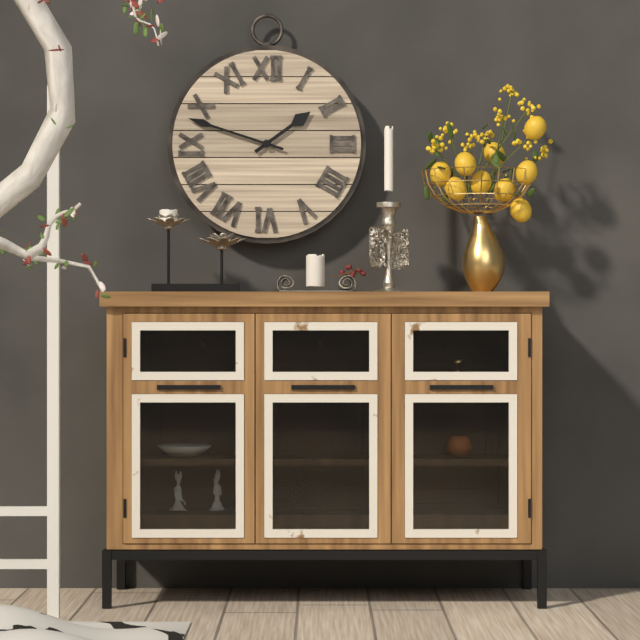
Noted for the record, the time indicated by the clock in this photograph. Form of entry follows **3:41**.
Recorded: **1:48**
